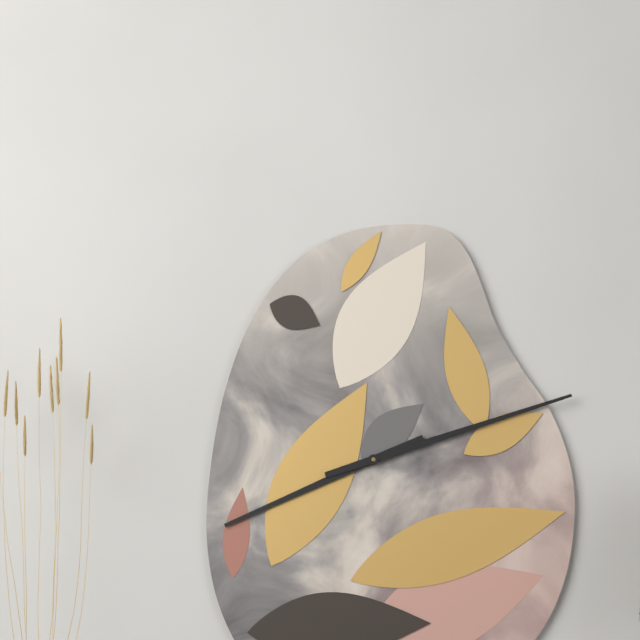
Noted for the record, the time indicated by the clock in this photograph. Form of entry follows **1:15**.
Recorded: **8:12**
